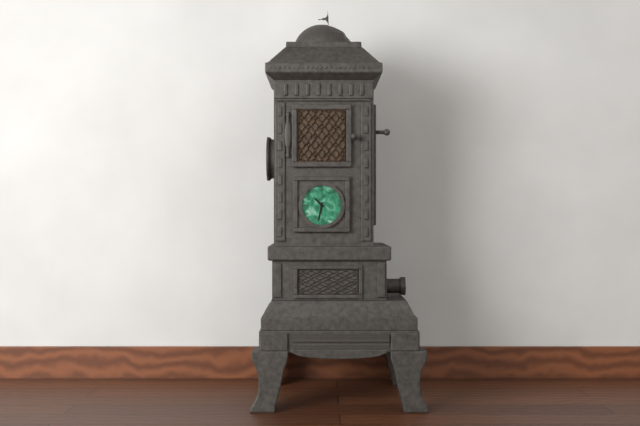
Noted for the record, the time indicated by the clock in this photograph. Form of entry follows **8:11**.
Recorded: **10:32**
